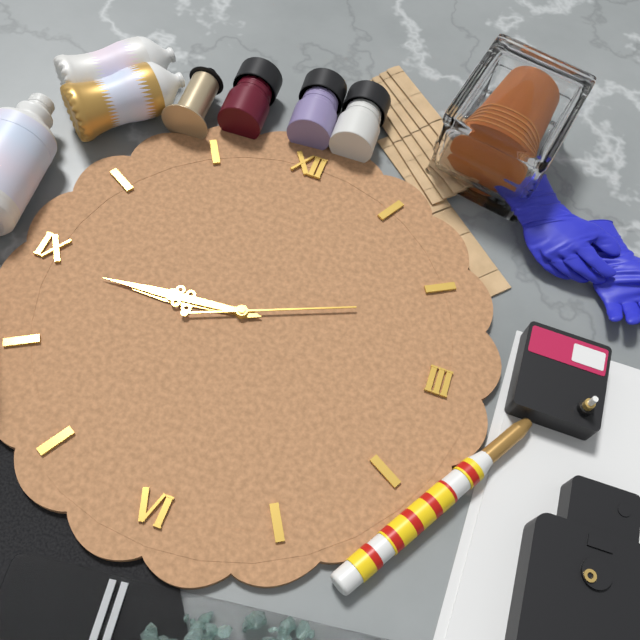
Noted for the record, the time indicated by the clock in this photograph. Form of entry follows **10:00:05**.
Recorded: **8:44:11**
